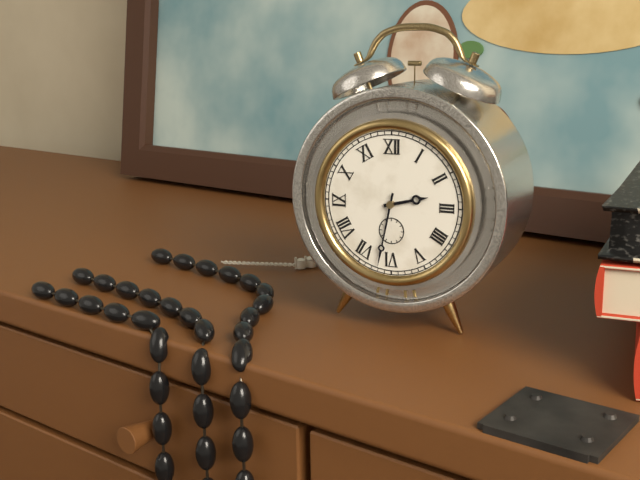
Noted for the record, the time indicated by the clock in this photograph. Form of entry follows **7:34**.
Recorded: **2:32**
